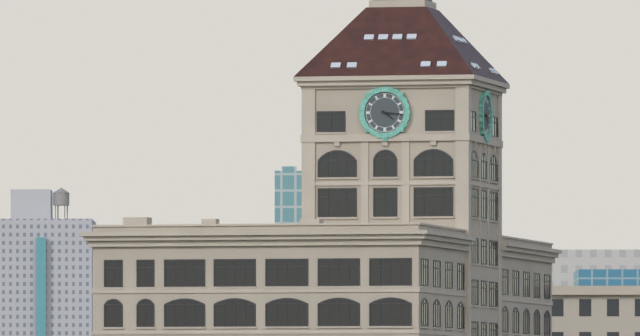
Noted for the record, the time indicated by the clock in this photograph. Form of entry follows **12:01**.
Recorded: **4:16**
